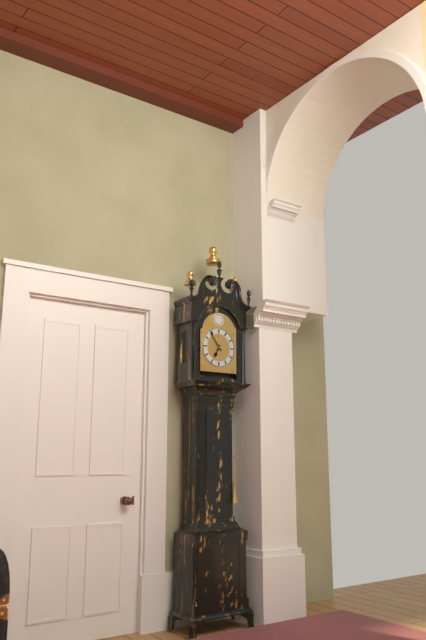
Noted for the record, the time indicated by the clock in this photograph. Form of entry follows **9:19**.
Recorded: **6:54**
